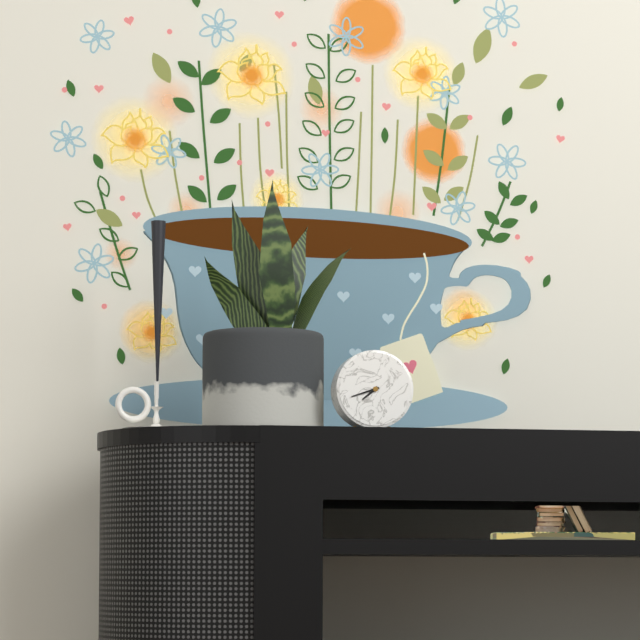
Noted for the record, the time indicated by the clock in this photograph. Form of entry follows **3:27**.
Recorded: **7:42**
